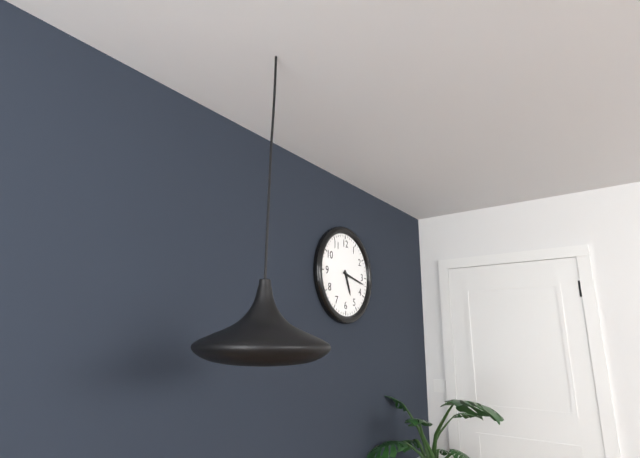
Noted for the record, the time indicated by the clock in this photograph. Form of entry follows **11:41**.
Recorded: **5:17**
